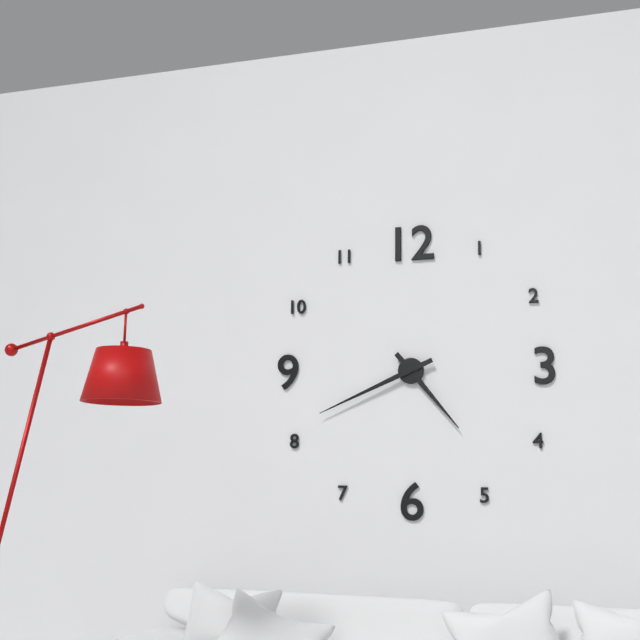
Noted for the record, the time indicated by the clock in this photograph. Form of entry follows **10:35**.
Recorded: **4:41**
